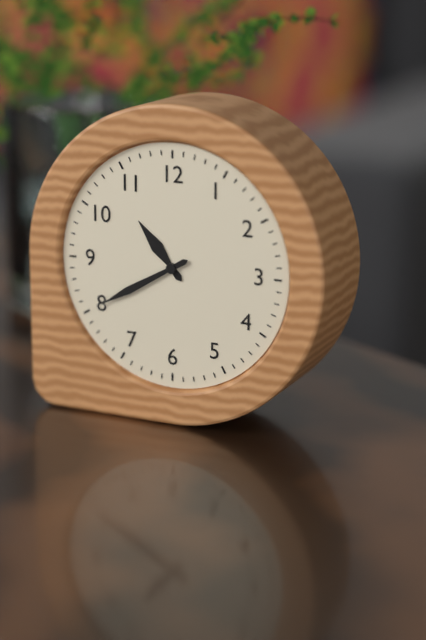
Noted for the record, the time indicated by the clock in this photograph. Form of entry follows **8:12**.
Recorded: **10:40**
